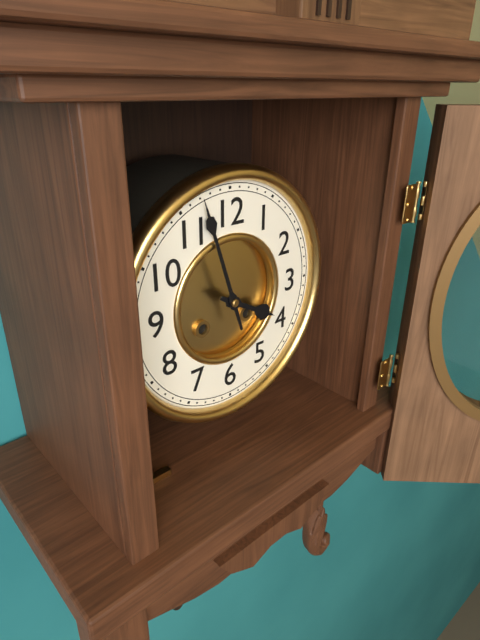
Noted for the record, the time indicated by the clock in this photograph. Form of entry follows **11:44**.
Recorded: **3:57**
